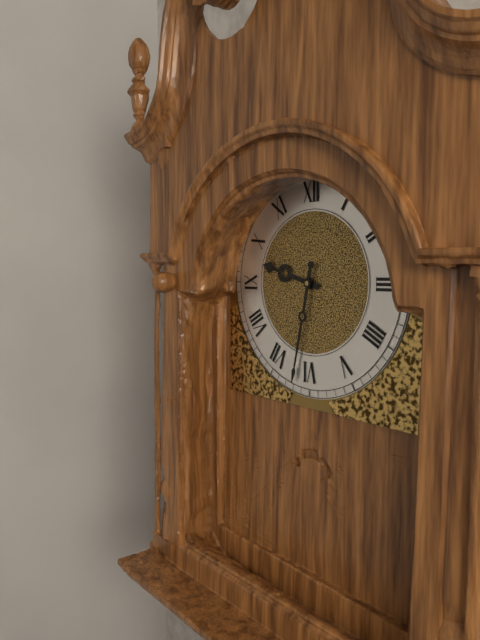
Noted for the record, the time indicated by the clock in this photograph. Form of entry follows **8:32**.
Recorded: **9:32**
